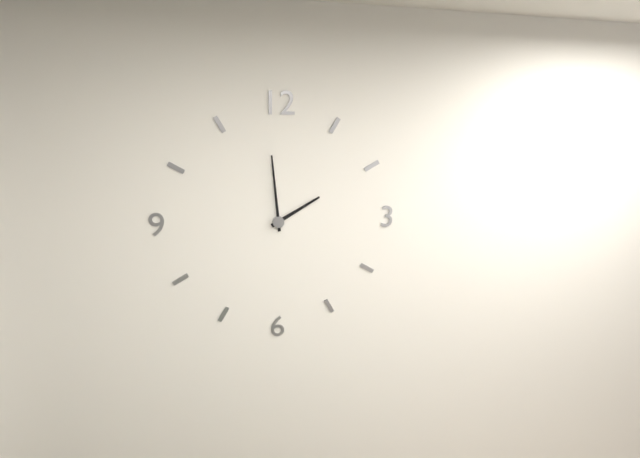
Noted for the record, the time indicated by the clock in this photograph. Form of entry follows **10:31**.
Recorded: **1:59**
